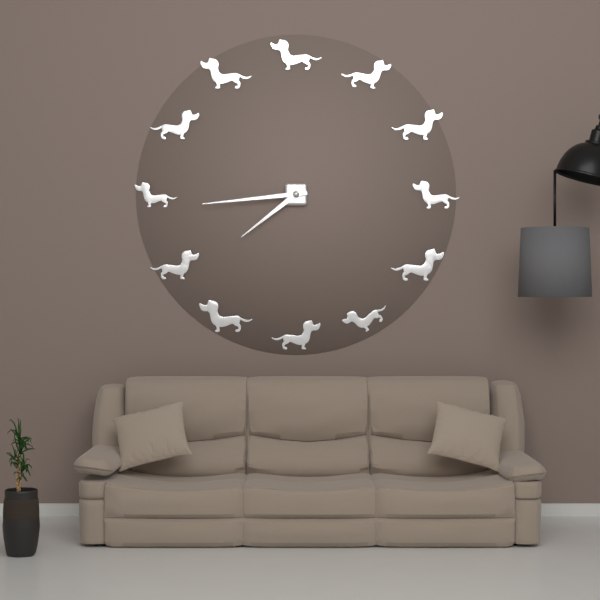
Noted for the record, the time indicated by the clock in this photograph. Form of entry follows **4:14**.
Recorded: **7:44**
